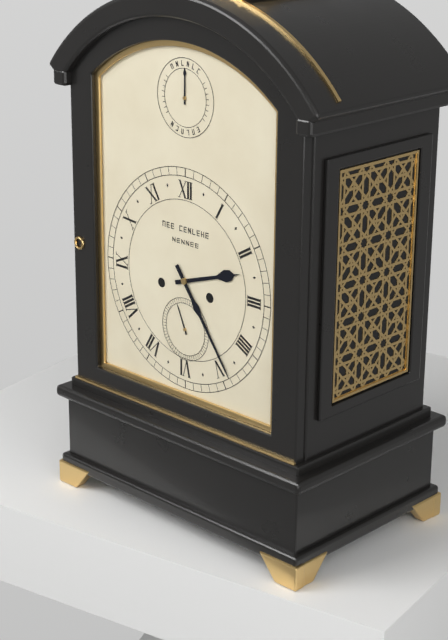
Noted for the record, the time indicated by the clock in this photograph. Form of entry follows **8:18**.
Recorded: **2:24**
